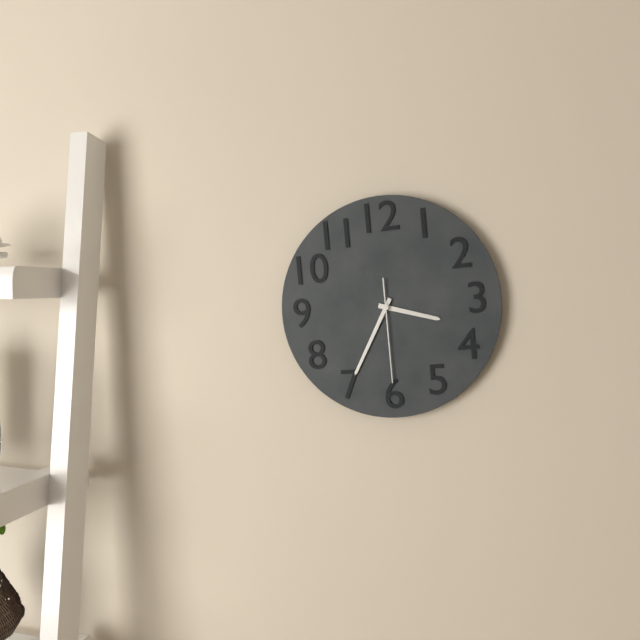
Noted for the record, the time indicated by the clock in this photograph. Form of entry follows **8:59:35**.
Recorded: **3:35:30**
